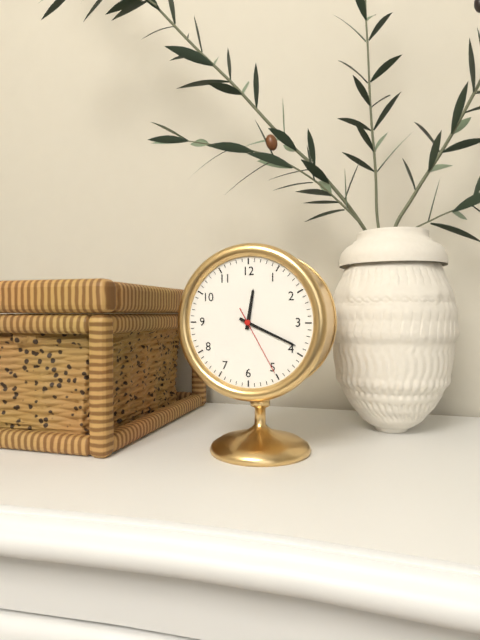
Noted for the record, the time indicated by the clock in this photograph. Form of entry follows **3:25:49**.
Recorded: **12:19:25**
